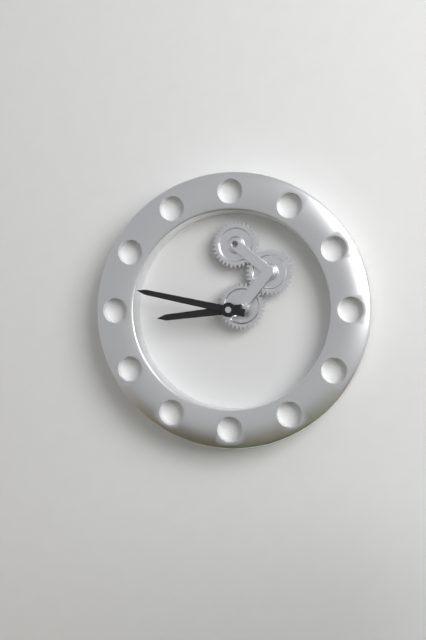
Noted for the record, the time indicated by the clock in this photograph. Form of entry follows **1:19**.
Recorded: **8:47**
